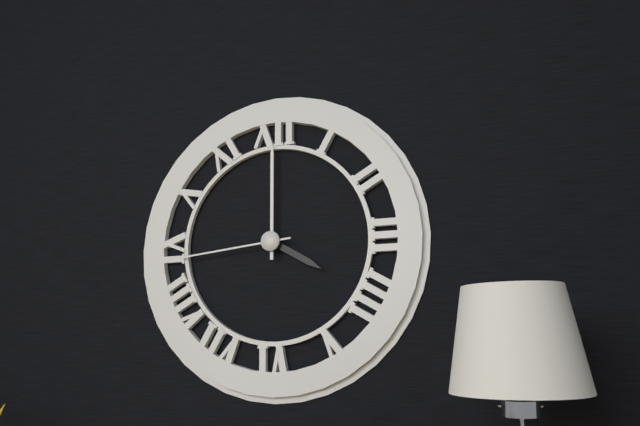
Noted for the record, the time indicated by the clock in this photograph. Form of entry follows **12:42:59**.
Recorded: **4:00:44**
